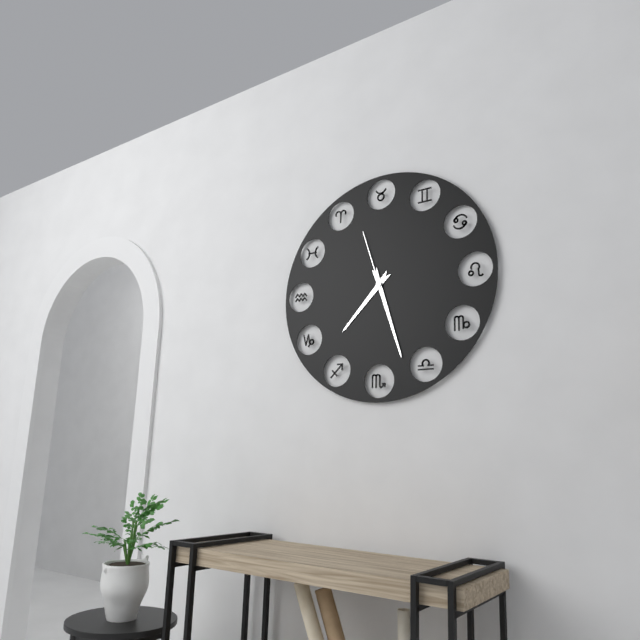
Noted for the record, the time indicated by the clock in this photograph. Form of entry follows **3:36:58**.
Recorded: **7:27:57**
